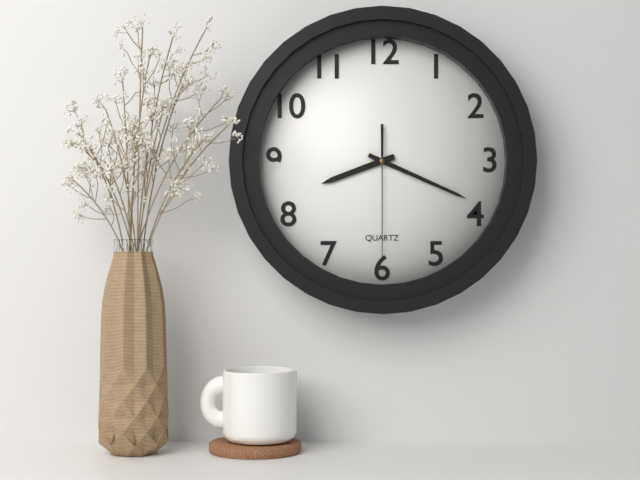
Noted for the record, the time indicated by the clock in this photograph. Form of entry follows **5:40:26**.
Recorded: **8:19:30**
